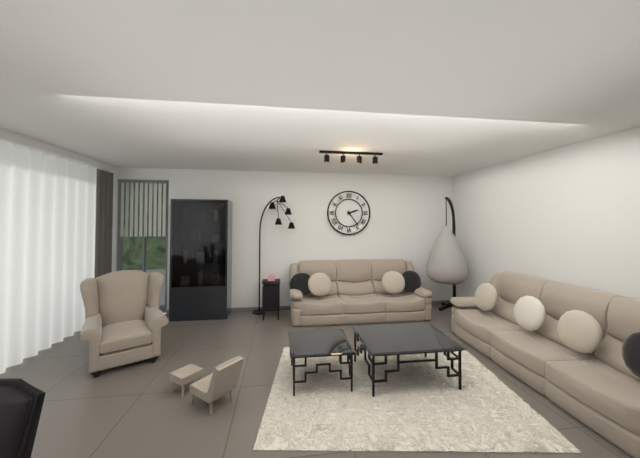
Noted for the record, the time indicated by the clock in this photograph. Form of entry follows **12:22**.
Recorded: **2:24**
